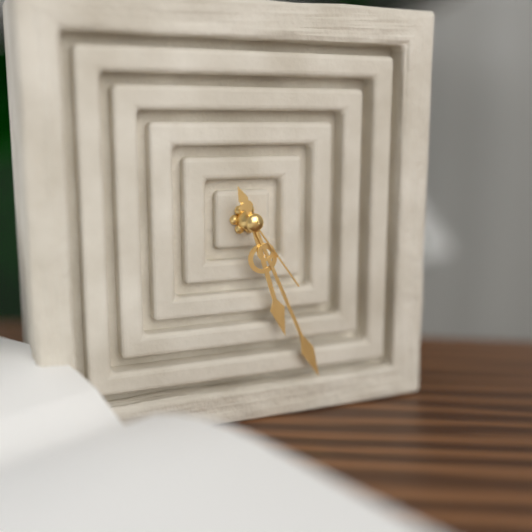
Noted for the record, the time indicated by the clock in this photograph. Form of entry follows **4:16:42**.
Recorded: **5:26:24**
